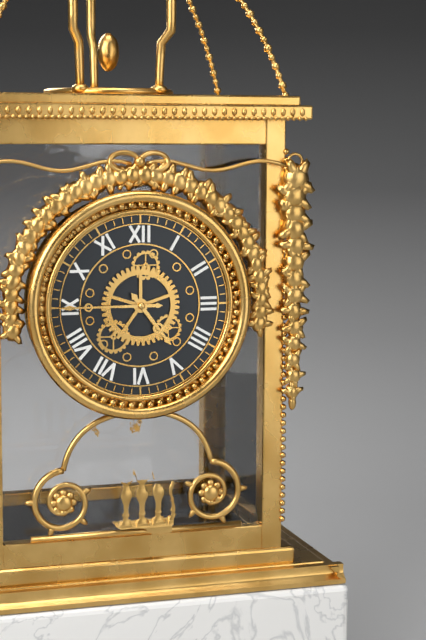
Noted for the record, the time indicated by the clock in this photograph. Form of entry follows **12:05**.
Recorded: **4:45**
